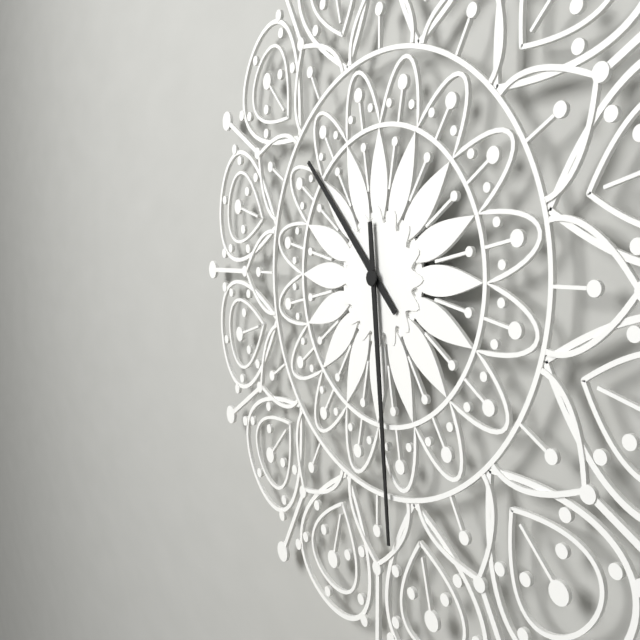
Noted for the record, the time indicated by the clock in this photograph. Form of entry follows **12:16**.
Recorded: **10:29**
